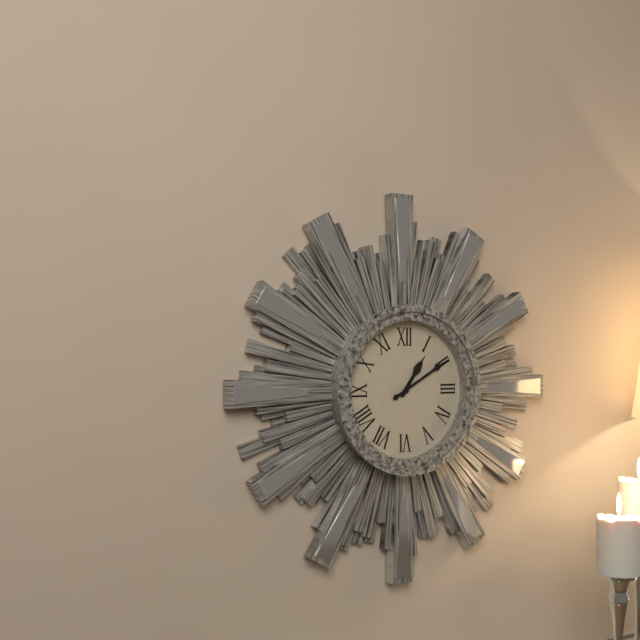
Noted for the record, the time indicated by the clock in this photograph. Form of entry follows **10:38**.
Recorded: **1:10**
